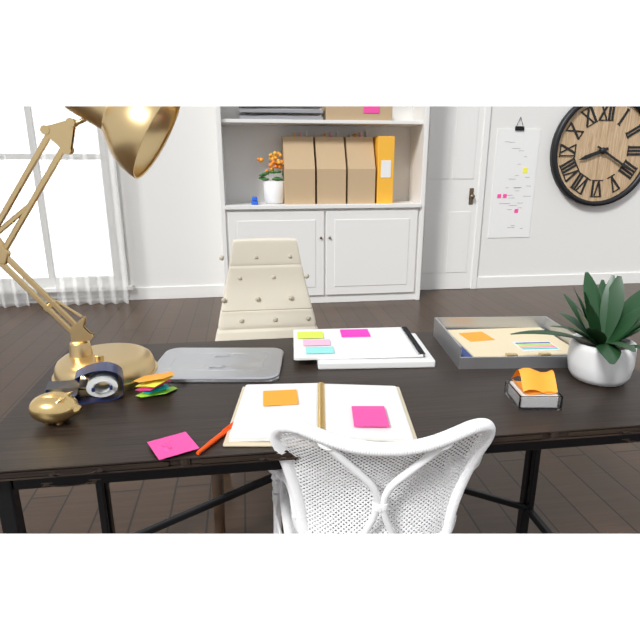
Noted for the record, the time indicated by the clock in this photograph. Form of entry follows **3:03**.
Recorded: **8:20**
